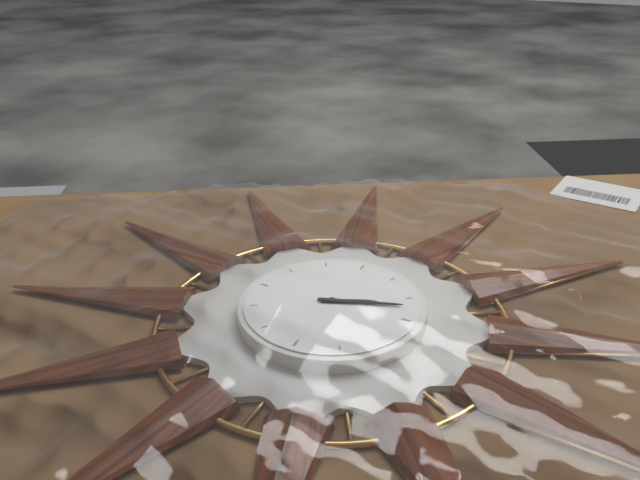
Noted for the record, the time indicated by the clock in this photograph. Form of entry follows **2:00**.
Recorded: **2:12**
